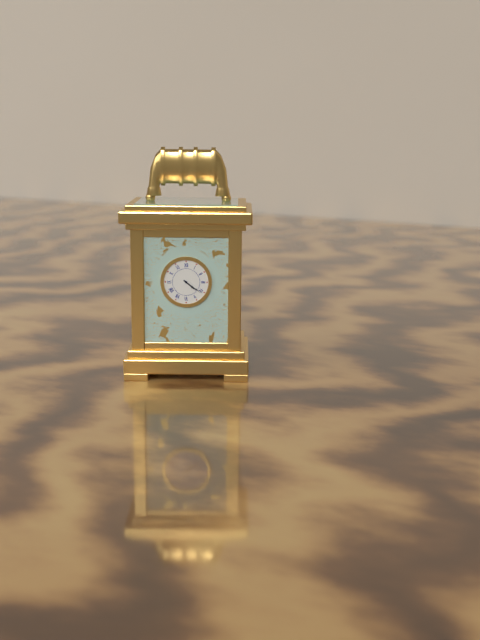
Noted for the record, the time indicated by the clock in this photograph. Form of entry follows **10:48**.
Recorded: **4:21**
